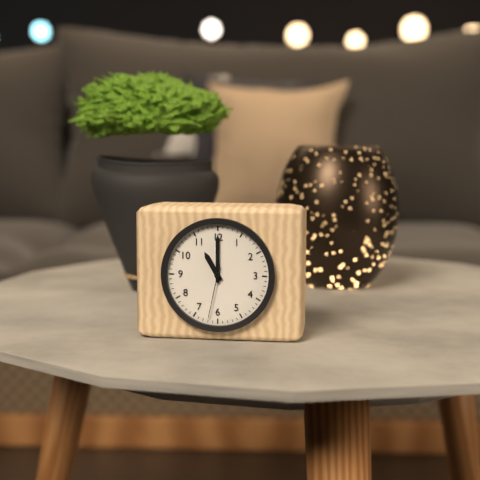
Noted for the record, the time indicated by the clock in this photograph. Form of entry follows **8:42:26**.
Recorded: **11:00:32**
